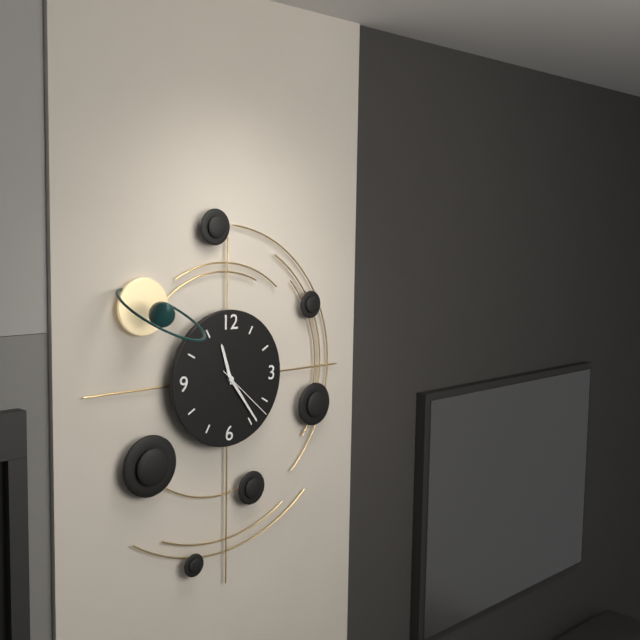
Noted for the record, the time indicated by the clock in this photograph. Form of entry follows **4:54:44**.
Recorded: **11:24:22**
